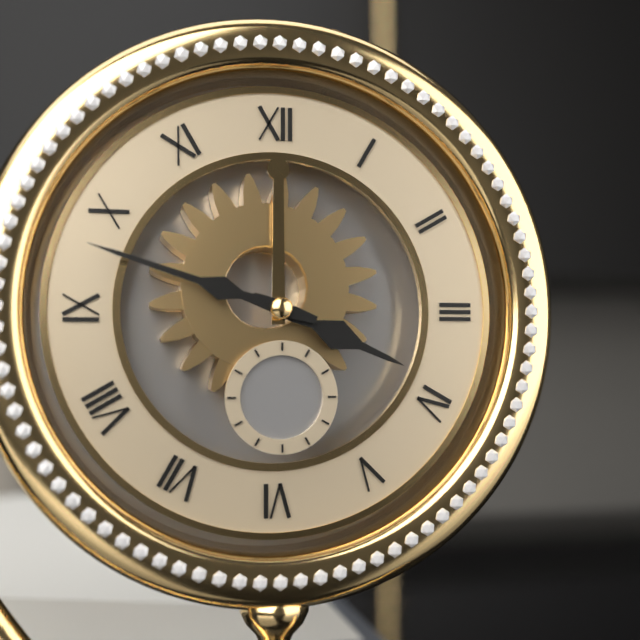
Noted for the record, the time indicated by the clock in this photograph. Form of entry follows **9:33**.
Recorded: **3:48**
